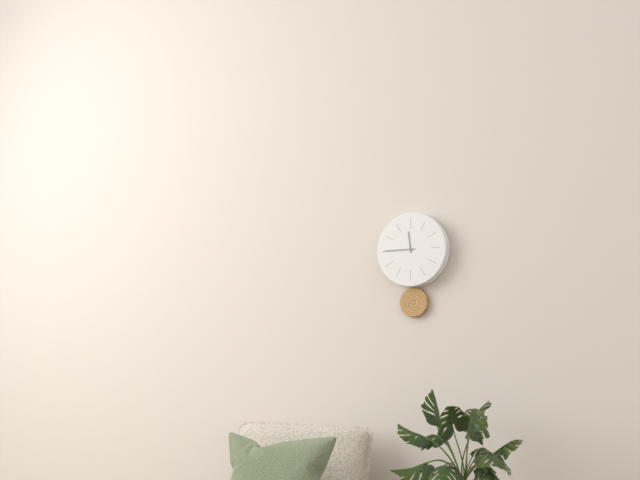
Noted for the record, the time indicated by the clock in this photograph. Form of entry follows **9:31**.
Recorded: **11:45**
